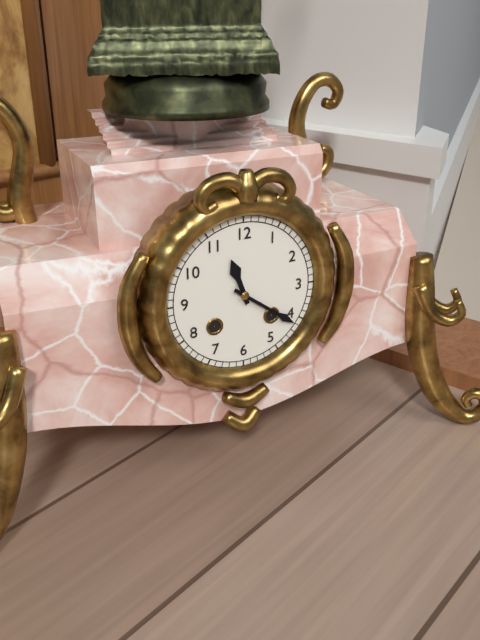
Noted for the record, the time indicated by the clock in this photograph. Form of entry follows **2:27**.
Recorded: **11:21**
